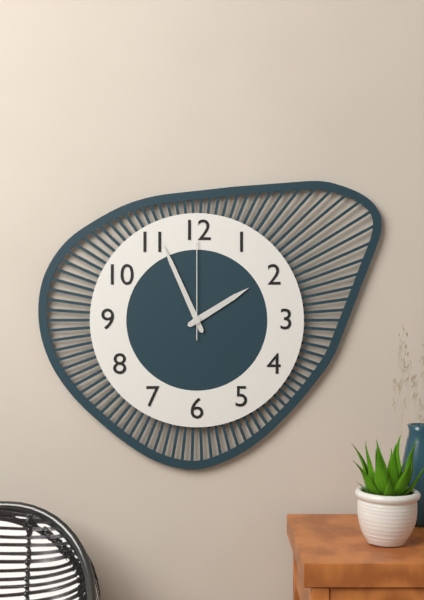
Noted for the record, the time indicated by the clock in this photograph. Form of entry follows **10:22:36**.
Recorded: **1:56:00**
